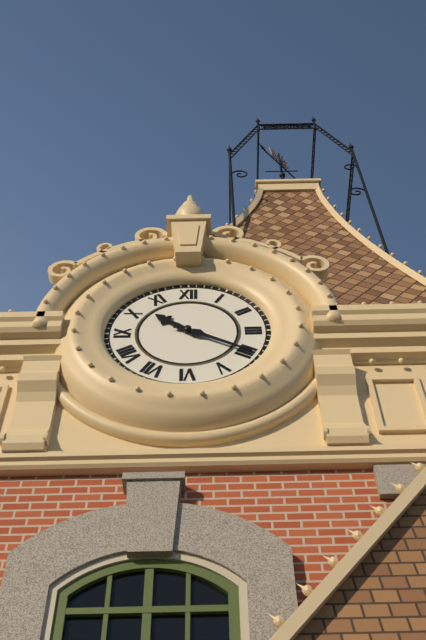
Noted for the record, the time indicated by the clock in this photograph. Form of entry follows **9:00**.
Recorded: **10:20**
